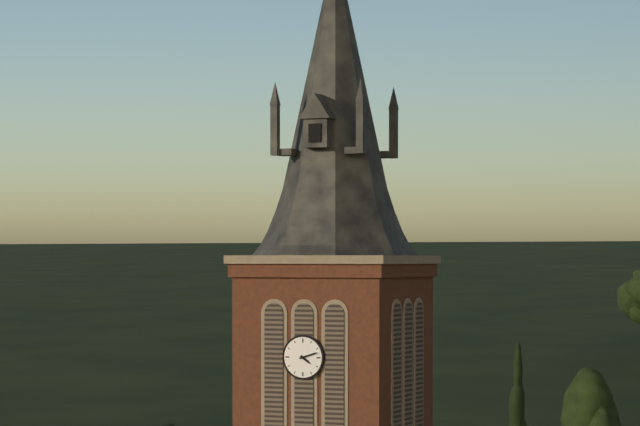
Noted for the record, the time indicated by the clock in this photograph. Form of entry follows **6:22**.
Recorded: **4:12**
